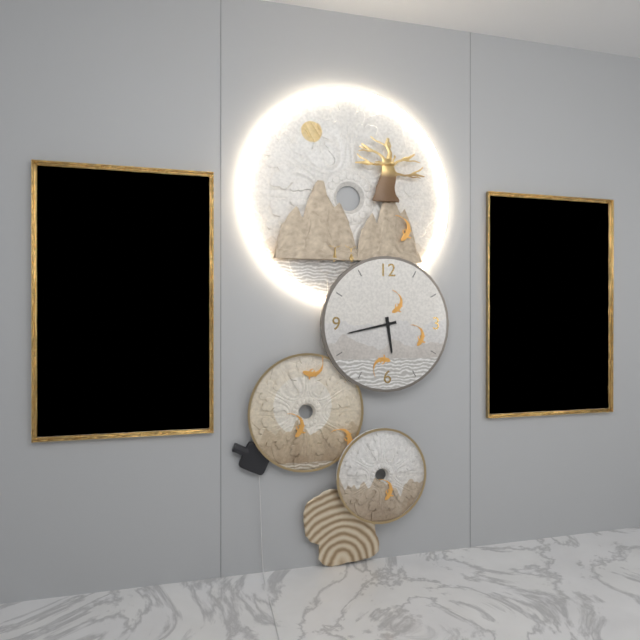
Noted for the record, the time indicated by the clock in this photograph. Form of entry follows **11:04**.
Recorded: **5:43**
